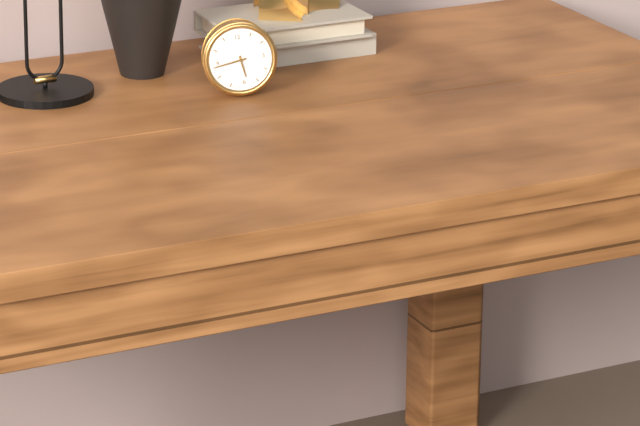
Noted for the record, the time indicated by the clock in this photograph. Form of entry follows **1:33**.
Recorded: **5:44**
